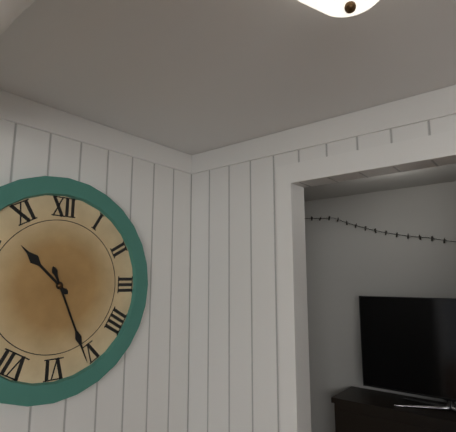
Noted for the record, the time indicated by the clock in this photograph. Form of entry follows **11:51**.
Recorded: **10:26**
